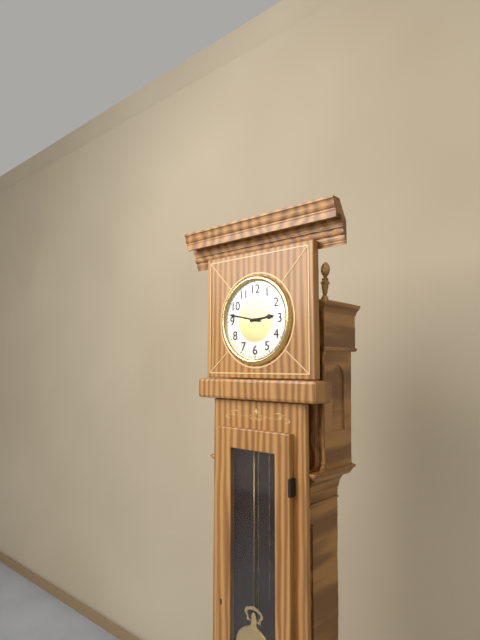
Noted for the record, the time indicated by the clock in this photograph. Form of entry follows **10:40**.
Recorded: **2:47**
